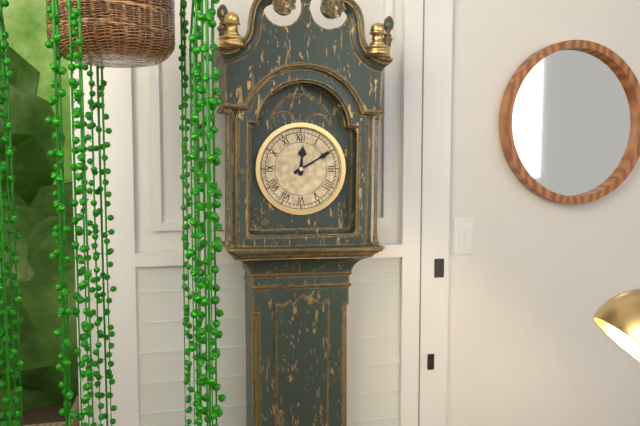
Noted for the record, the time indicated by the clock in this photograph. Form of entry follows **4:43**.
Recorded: **12:10**
